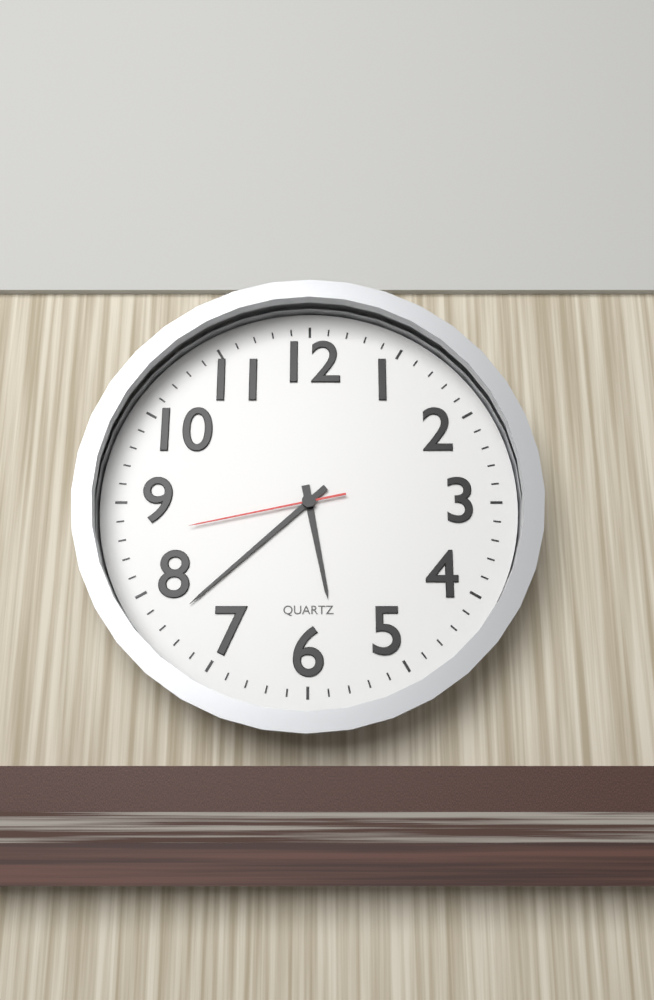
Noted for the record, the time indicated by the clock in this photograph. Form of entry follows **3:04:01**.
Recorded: **5:38:43**
